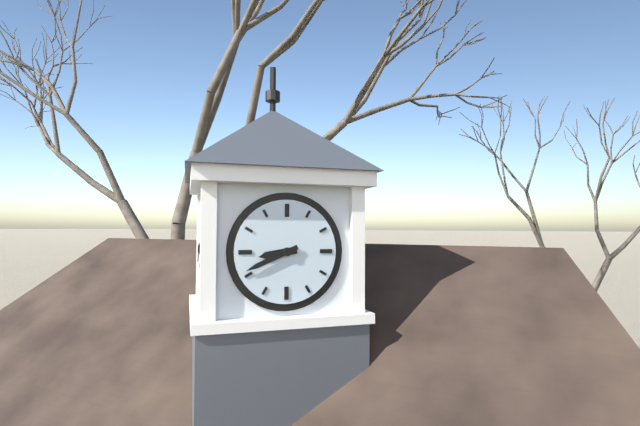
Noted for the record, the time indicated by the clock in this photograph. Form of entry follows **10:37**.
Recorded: **8:41**
